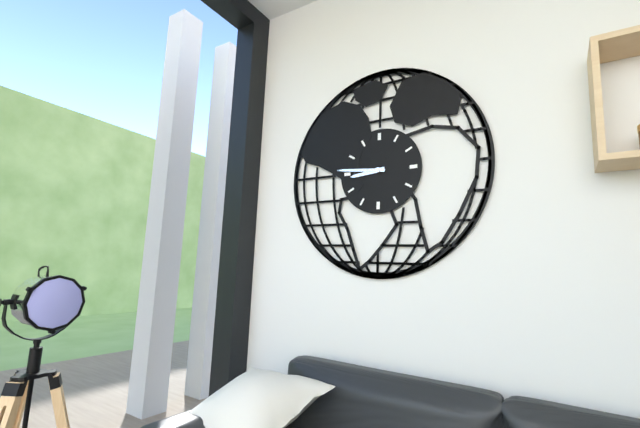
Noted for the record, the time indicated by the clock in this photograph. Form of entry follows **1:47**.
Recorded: **8:46**
